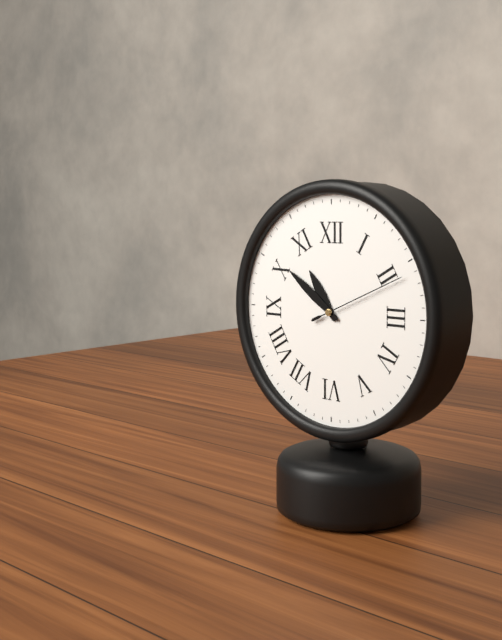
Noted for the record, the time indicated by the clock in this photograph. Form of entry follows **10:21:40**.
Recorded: **10:51:11**
